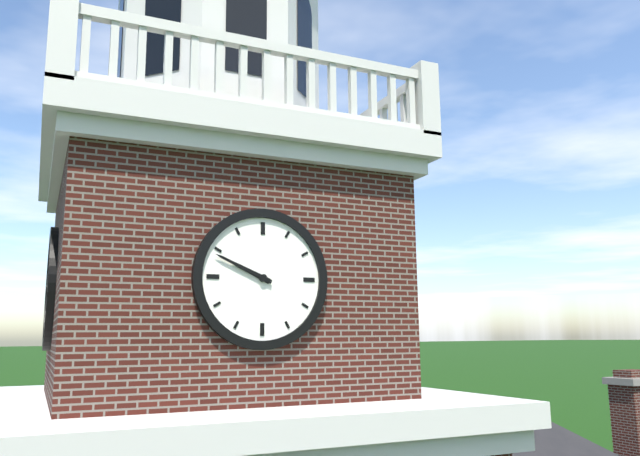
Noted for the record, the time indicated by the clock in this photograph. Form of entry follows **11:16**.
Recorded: **9:49**
